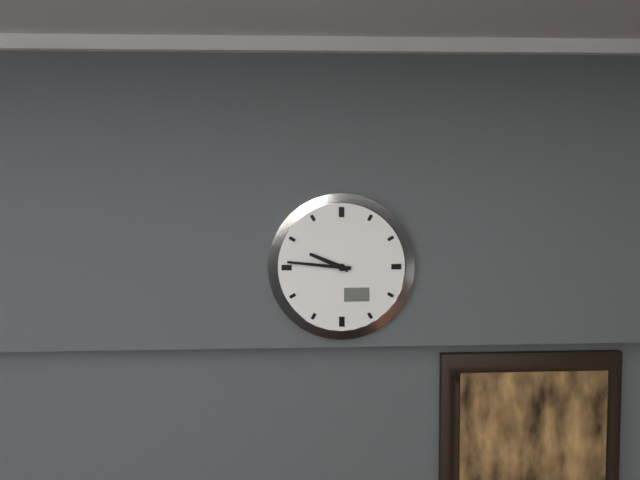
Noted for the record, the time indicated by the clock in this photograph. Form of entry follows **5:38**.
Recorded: **9:46**
